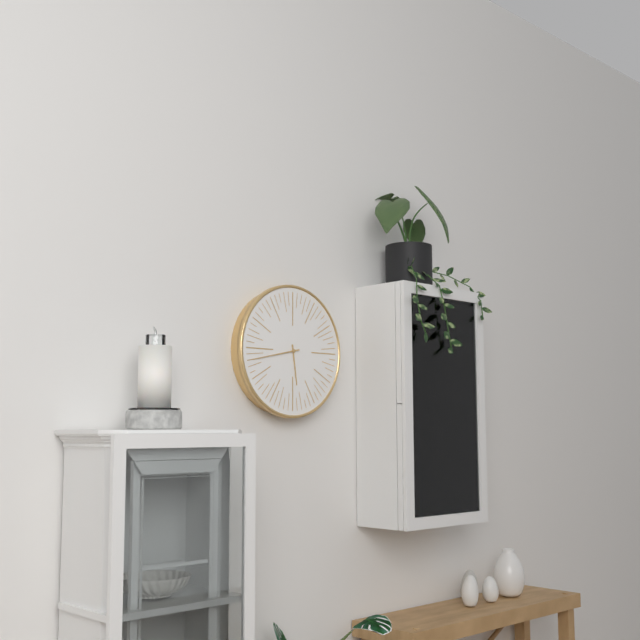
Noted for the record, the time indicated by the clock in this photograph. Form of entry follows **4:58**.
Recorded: **5:43**
